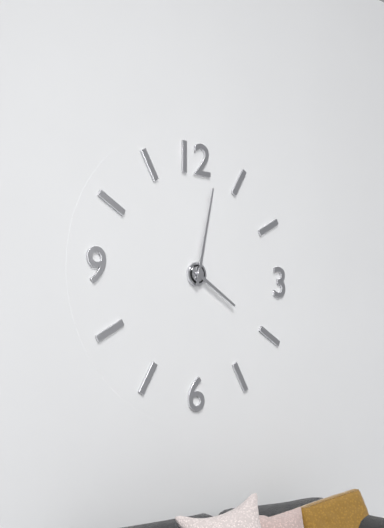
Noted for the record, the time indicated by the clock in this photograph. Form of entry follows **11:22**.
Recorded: **4:02**
